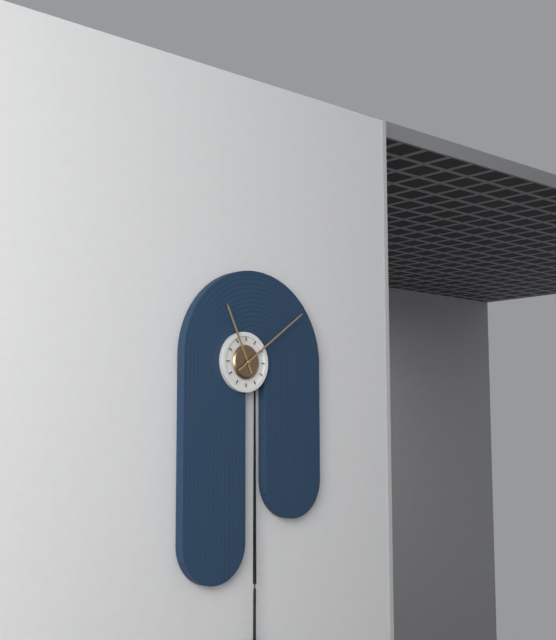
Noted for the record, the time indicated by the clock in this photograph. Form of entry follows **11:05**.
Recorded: **11:09**
